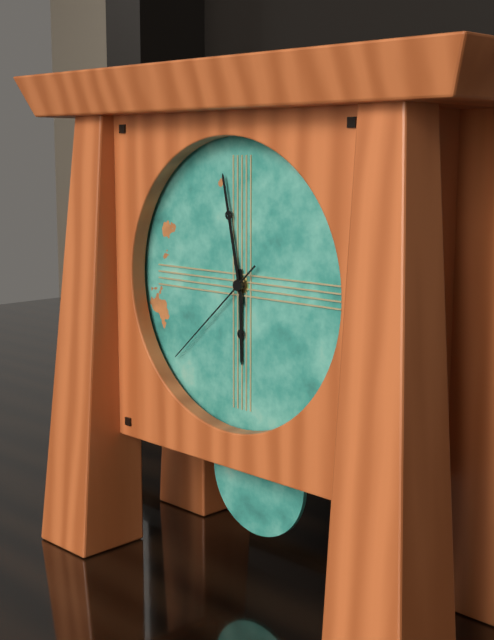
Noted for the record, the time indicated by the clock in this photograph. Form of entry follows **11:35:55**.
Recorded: **5:58:38**
